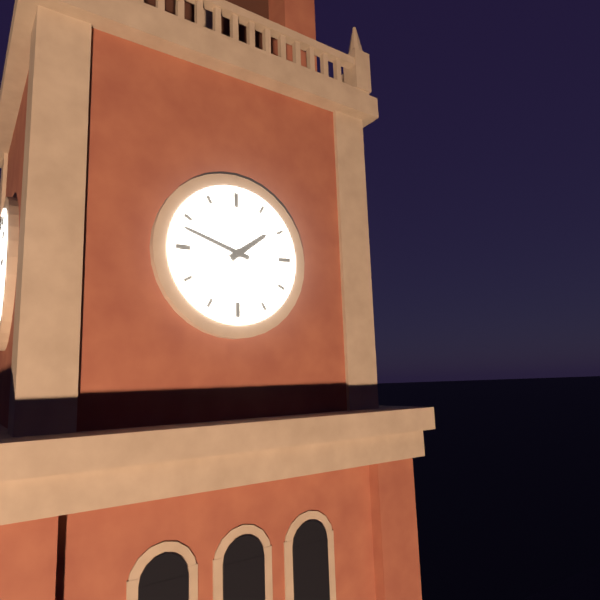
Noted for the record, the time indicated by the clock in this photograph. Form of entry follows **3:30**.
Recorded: **1:48**
